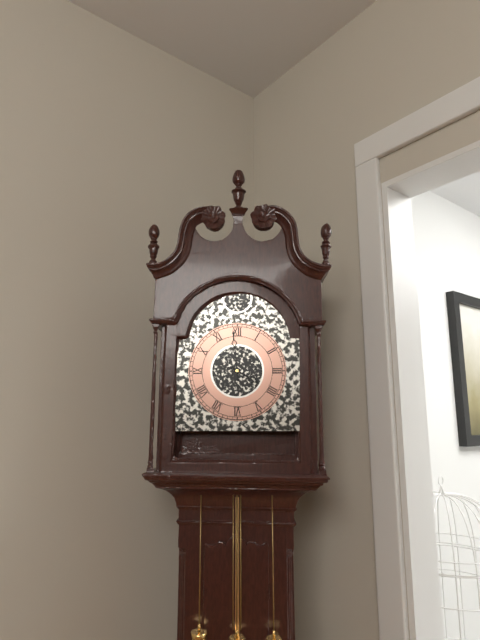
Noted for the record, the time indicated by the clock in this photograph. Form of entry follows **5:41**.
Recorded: **3:59**
